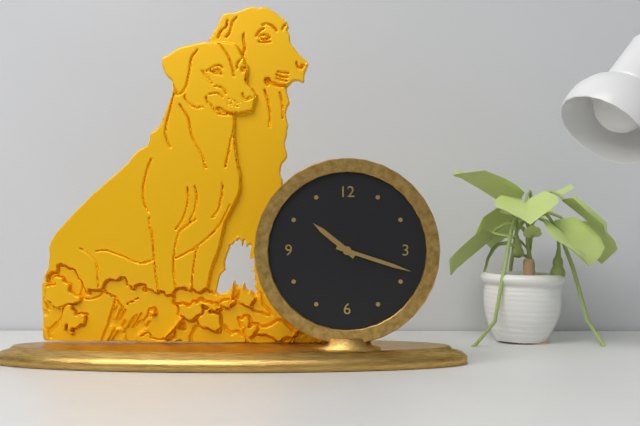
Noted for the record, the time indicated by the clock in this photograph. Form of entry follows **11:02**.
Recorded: **10:18**
